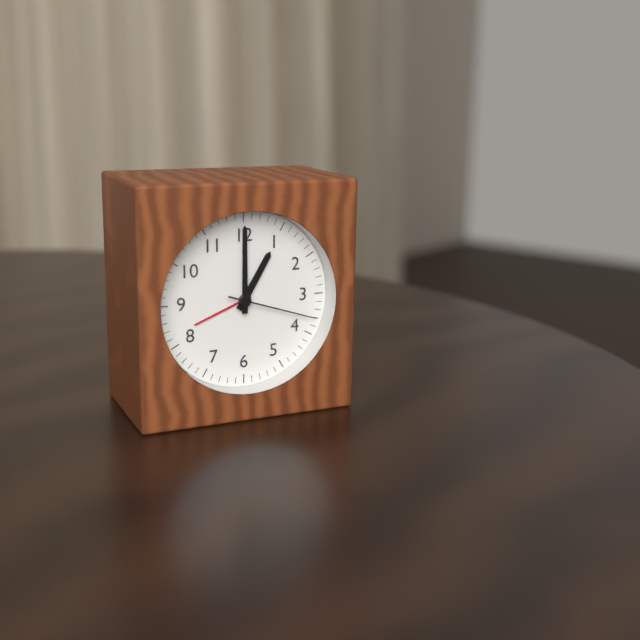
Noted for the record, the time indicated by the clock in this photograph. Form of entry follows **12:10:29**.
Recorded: **1:00:18**
